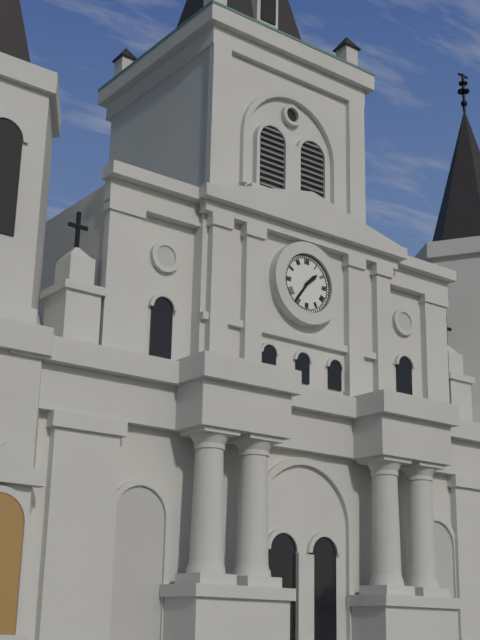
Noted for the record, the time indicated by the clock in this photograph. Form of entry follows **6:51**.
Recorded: **1:36**
